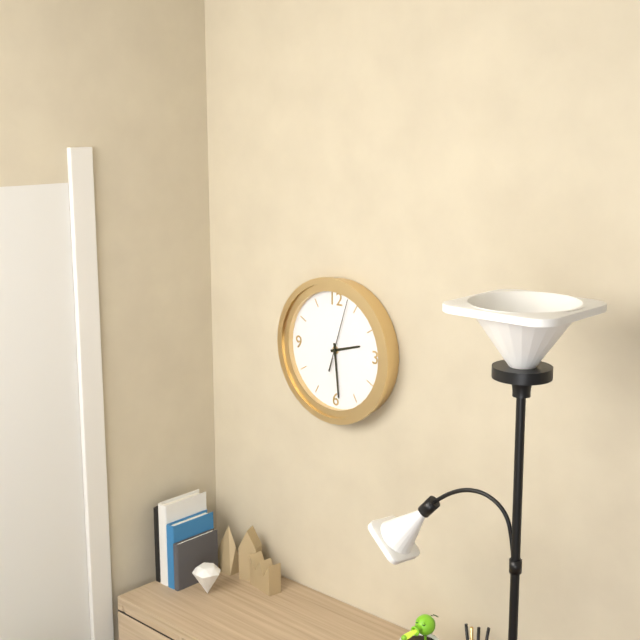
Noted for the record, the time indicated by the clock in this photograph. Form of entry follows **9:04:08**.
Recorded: **2:29:03**
